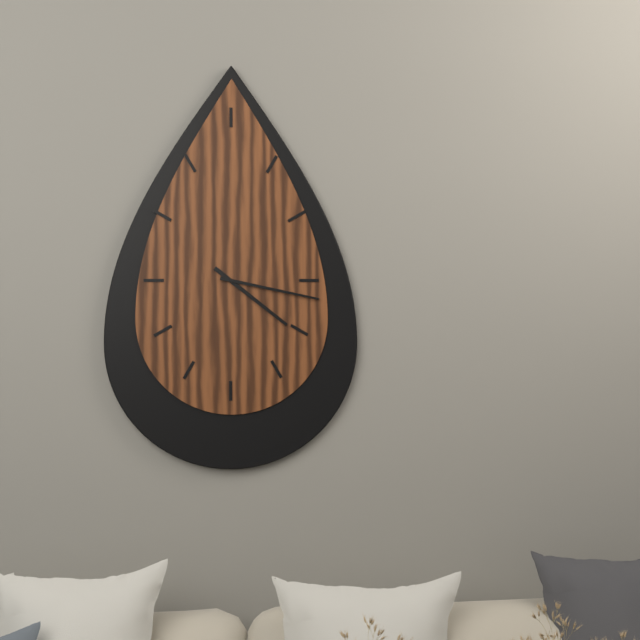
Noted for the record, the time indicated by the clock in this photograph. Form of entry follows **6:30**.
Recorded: **4:17**
